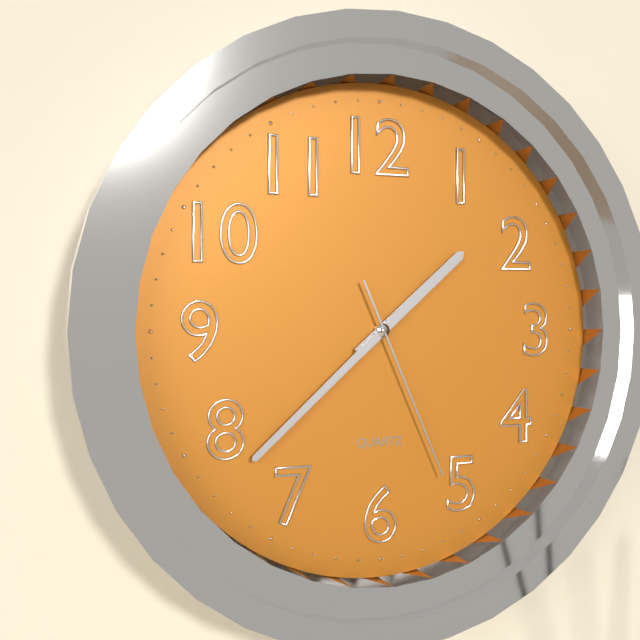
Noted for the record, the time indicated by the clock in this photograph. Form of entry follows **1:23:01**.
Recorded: **1:38:26**
